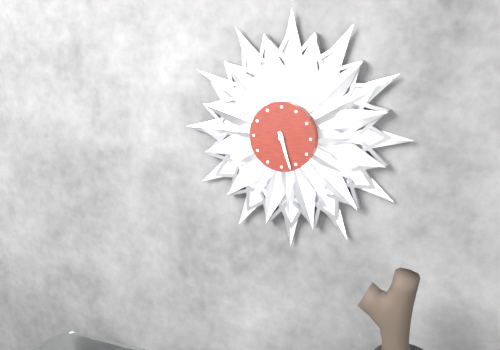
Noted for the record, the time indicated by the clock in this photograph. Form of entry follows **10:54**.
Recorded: **5:27**
